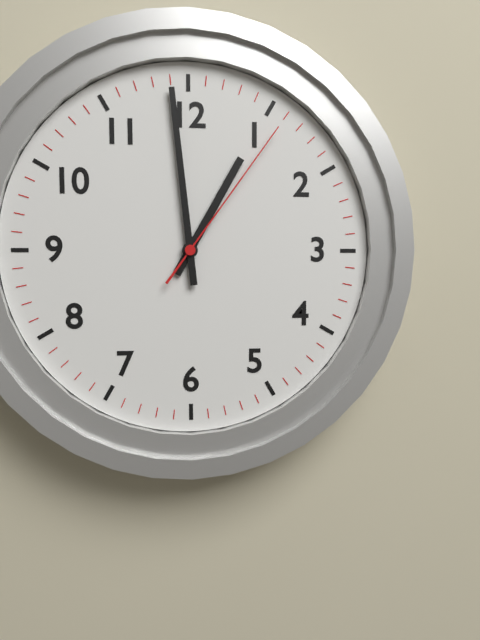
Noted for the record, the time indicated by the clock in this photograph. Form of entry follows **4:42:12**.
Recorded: **12:59:06**
